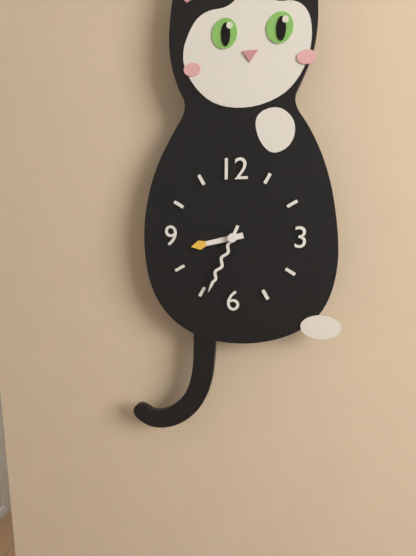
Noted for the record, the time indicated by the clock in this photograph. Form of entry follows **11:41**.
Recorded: **8:34**
